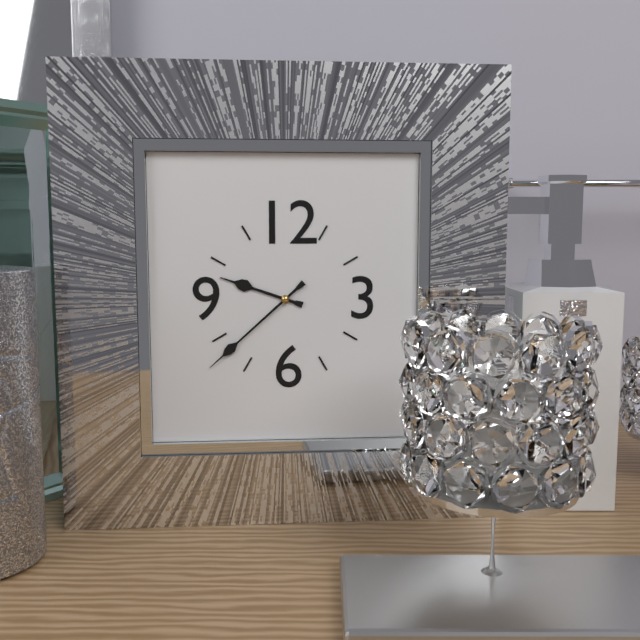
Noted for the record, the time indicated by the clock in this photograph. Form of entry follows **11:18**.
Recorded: **9:38**
